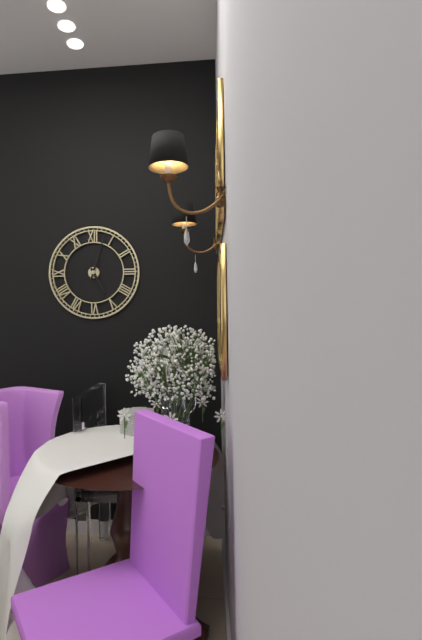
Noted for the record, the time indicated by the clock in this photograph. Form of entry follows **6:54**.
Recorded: **5:03**
